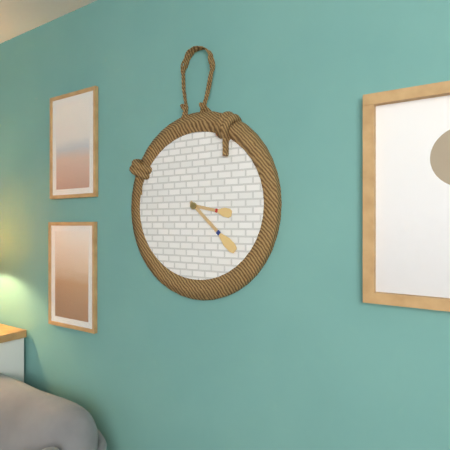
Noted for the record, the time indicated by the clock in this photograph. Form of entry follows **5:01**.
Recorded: **3:22**
